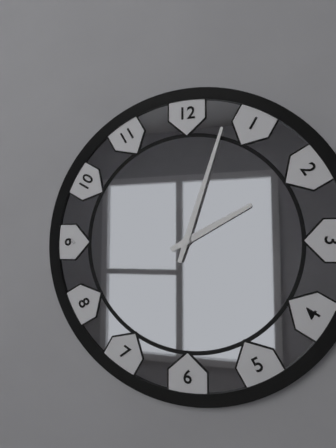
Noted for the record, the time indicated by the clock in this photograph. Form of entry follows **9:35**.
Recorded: **2:03**
